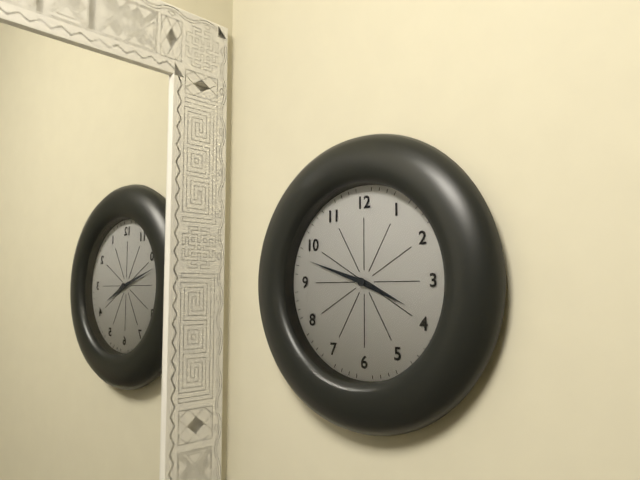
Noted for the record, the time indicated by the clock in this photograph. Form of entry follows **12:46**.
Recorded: **3:48**
